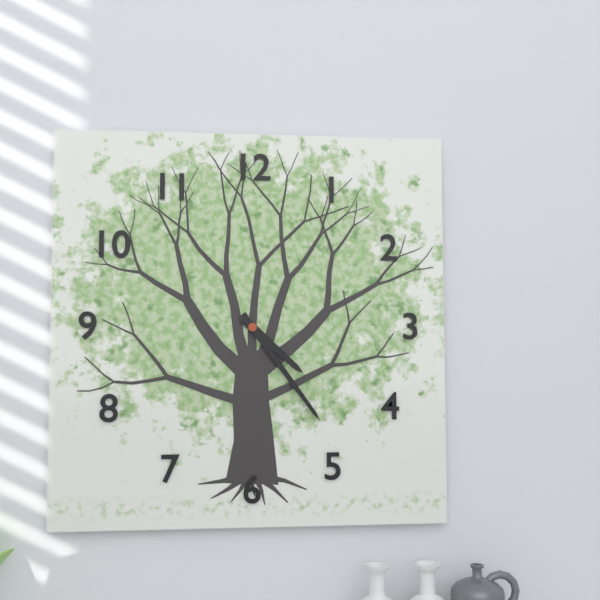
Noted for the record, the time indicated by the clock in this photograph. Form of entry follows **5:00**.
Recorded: **4:24**
